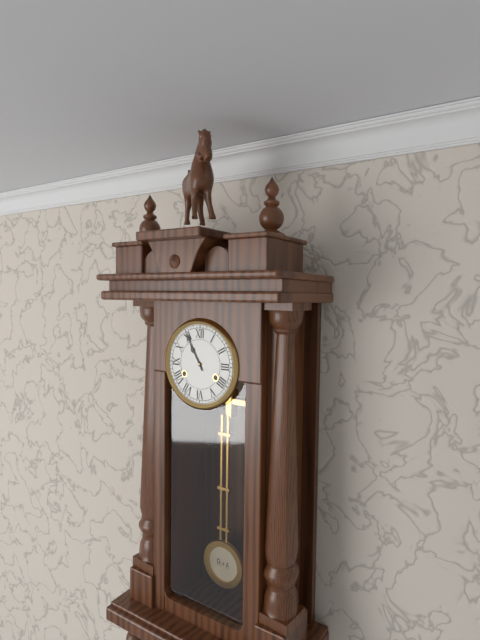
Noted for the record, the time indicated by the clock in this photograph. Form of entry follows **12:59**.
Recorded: **10:55**
